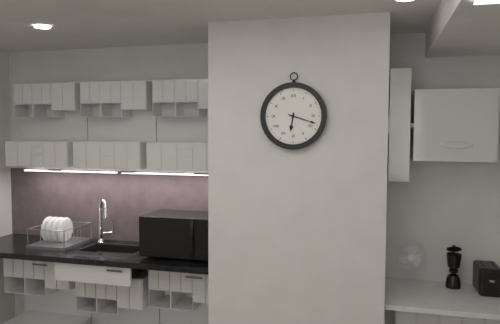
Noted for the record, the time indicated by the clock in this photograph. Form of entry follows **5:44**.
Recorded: **6:18**
